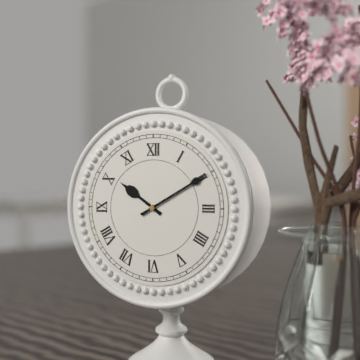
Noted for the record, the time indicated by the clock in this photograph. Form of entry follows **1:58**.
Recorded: **10:10**
